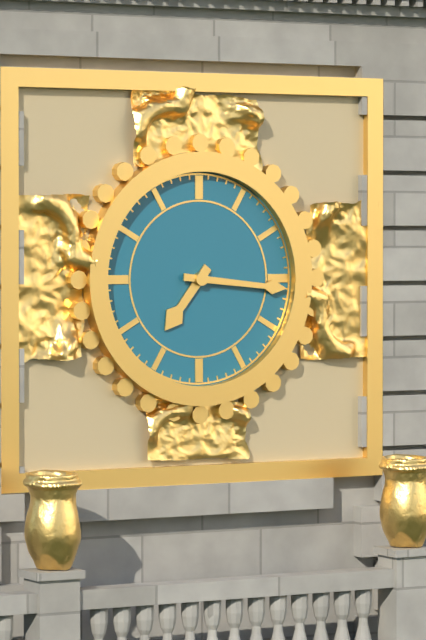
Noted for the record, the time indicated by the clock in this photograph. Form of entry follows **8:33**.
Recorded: **7:16**
